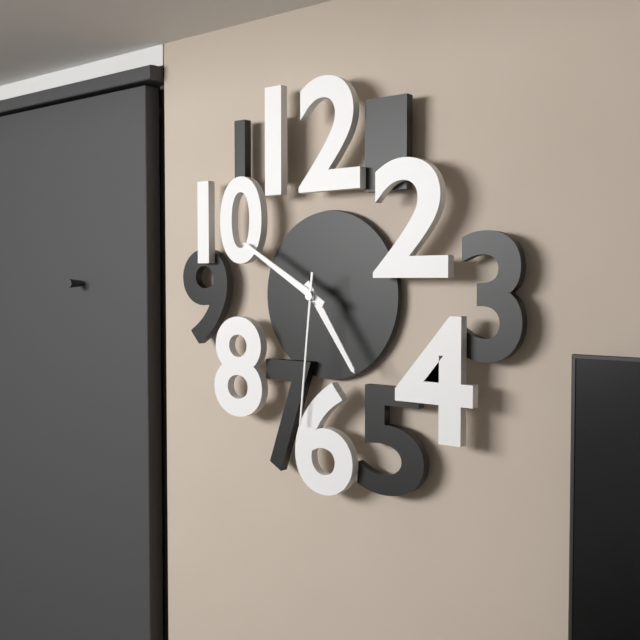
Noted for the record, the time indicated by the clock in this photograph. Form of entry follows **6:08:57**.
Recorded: **4:50:31**
